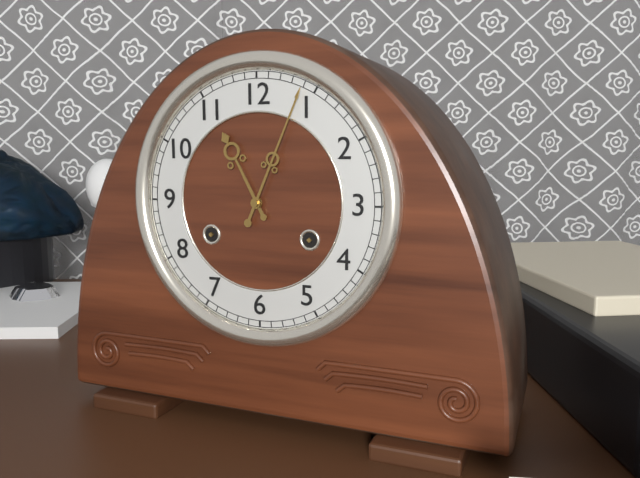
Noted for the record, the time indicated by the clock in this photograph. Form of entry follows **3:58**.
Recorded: **11:04**
